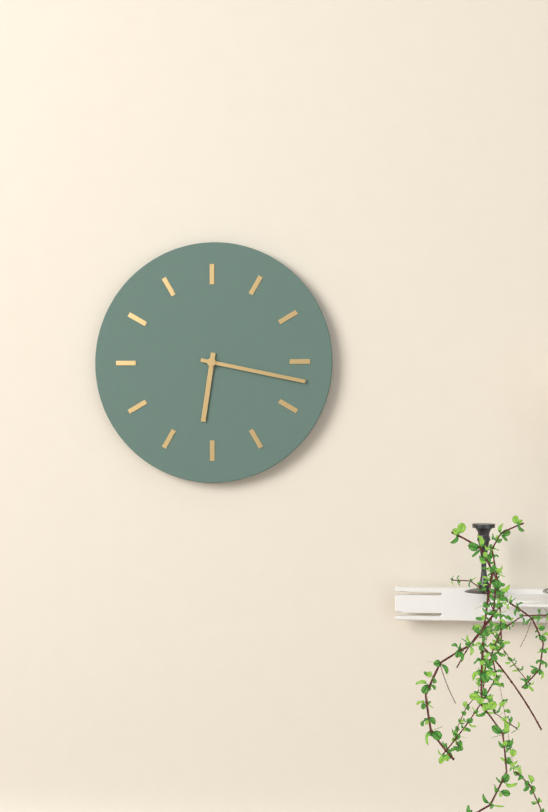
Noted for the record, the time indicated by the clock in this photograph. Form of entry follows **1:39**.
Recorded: **6:17**
